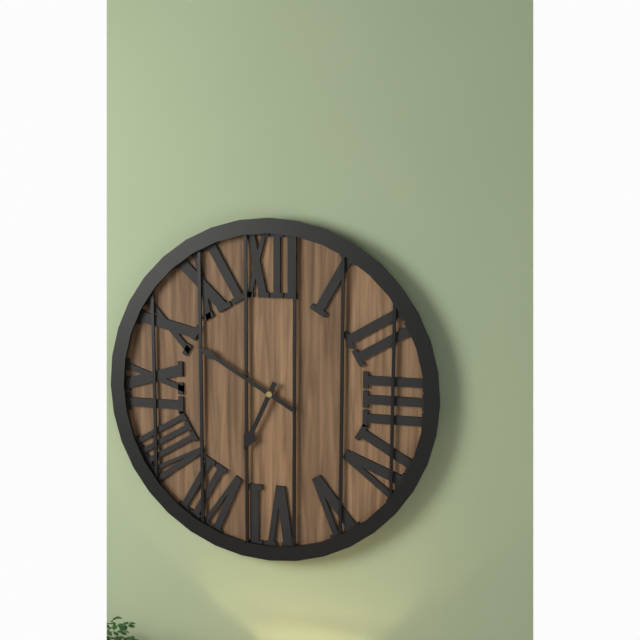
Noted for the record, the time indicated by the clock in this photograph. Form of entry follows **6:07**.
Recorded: **6:50**
